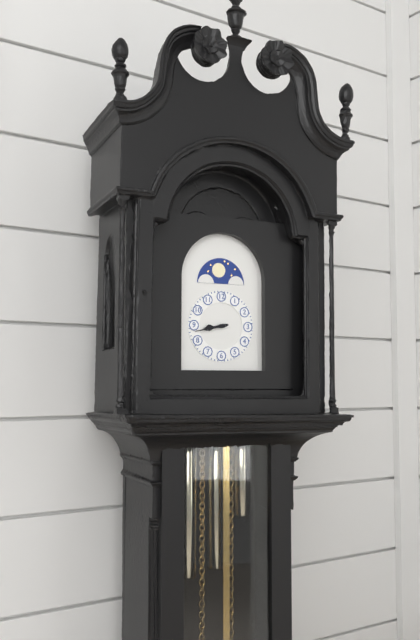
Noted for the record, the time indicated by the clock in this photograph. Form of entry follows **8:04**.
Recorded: **8:43**
